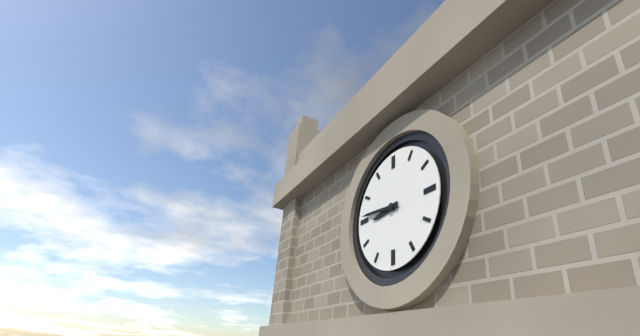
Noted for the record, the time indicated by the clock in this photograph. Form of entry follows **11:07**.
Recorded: **8:46**
